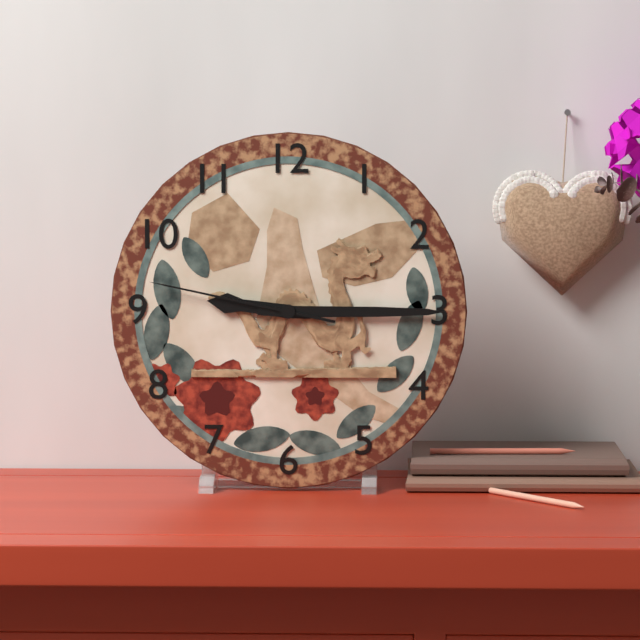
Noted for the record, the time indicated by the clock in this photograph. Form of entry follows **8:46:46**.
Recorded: **9:15:47**
